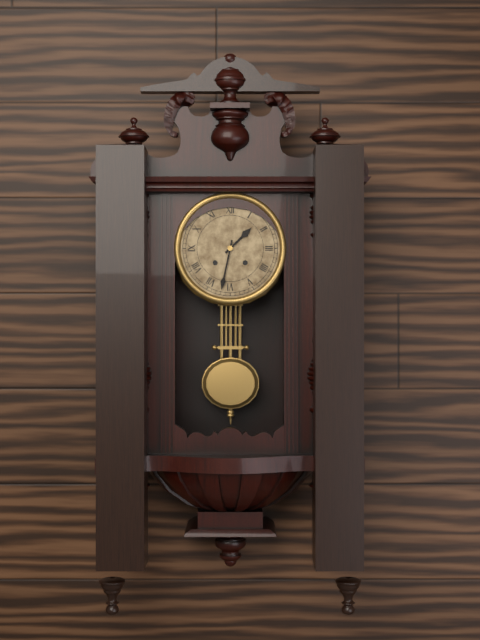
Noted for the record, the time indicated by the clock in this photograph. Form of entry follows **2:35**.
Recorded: **1:32**
